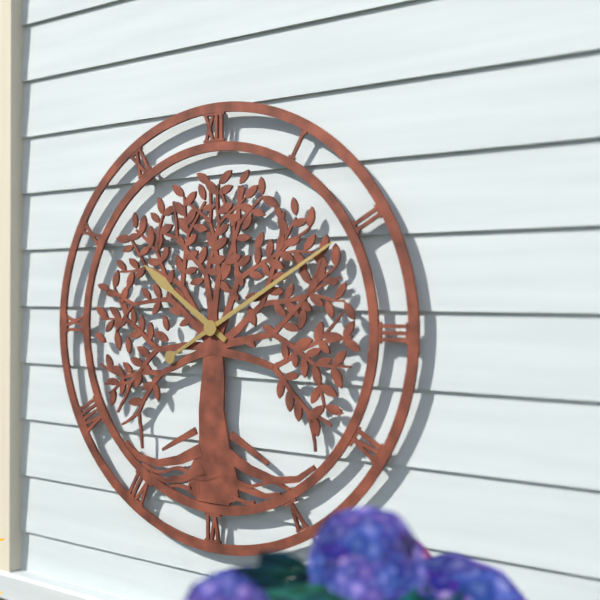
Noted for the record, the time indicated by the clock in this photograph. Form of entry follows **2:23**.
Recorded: **10:10**
